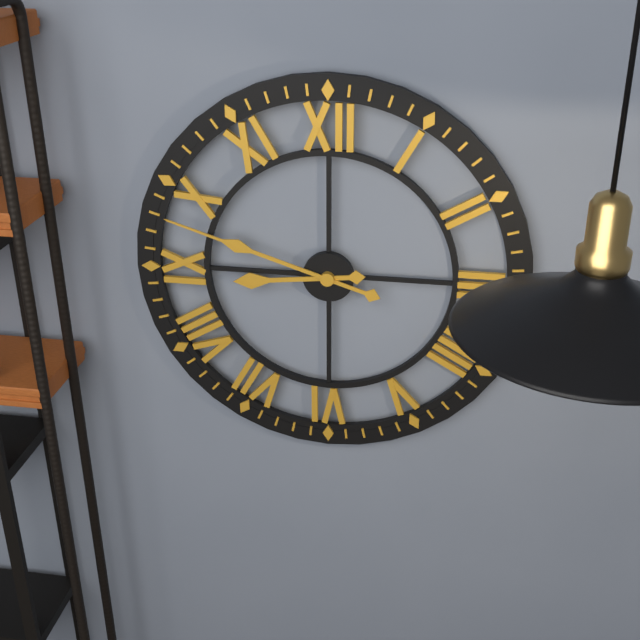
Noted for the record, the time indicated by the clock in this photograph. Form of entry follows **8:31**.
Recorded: **8:48**
